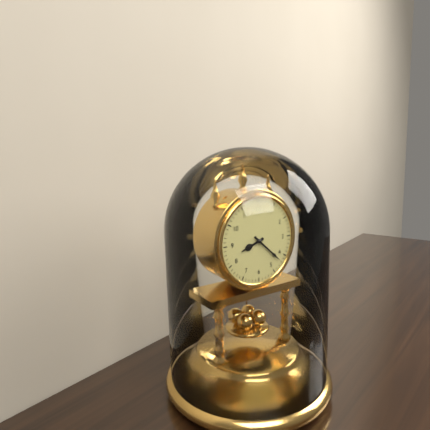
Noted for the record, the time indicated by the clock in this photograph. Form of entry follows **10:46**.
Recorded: **8:22**
